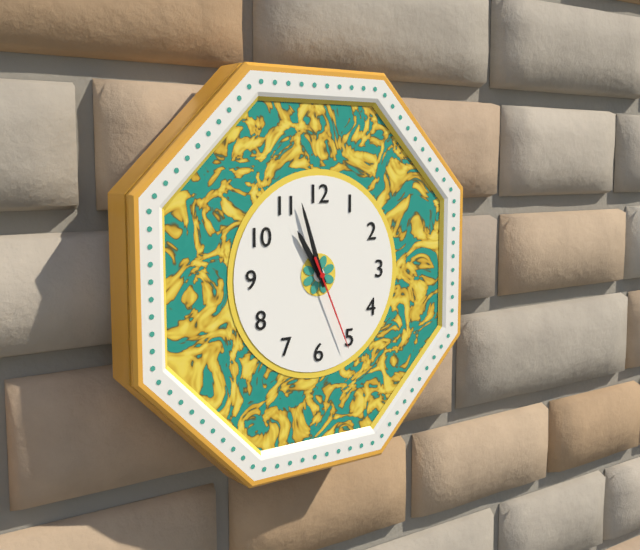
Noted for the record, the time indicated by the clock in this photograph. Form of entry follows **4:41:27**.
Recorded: **10:57:26**
